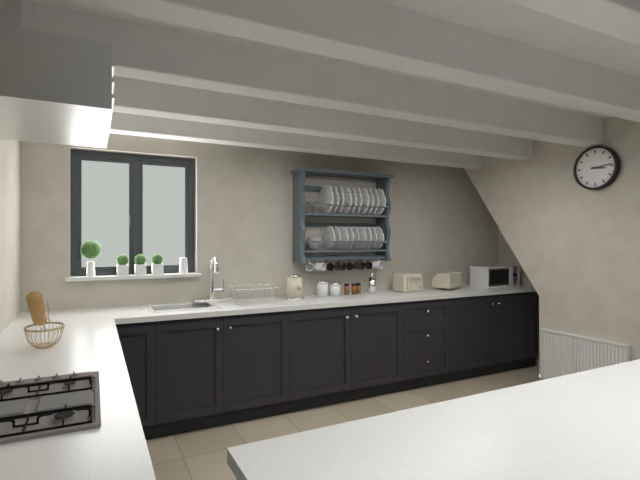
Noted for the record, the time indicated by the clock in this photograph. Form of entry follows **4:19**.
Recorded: **3:14**
